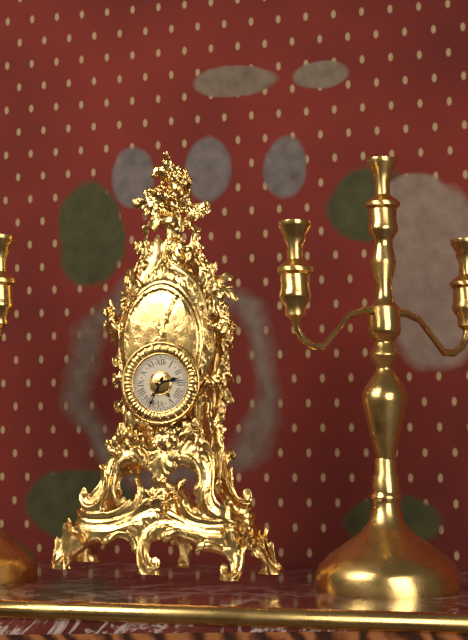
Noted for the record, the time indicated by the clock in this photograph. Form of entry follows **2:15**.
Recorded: **2:34**
